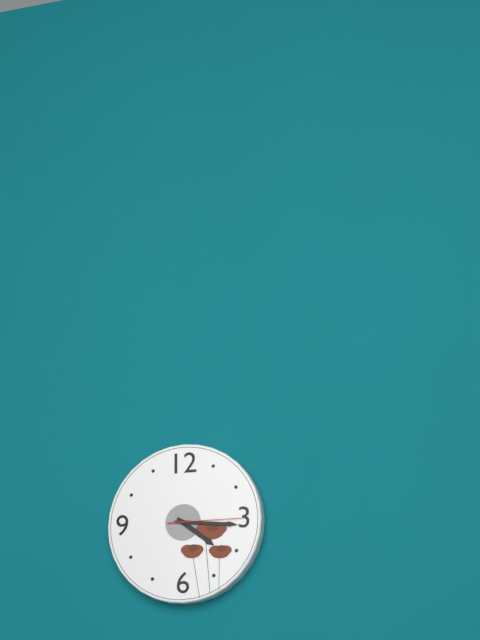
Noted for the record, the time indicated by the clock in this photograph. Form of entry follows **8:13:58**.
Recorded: **4:16:15**
